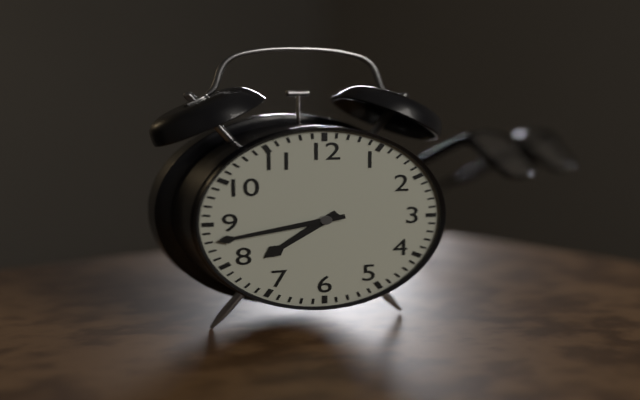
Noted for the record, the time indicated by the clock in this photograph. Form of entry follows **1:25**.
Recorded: **7:43**
